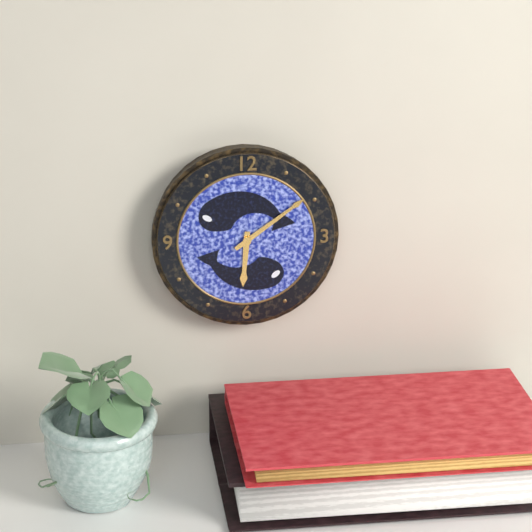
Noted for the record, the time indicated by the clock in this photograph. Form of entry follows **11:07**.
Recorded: **6:09**
